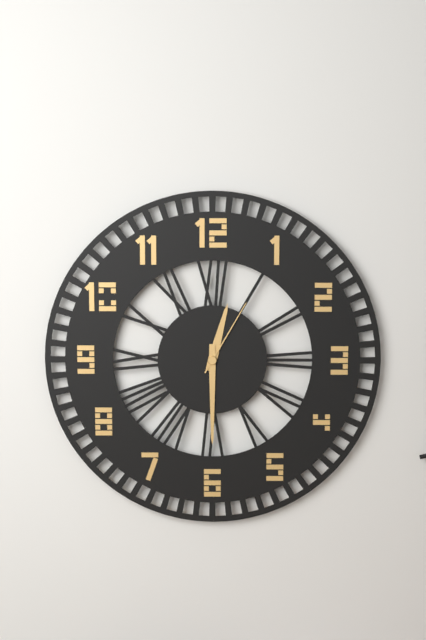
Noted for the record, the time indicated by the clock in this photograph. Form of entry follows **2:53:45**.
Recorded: **12:30:05**
